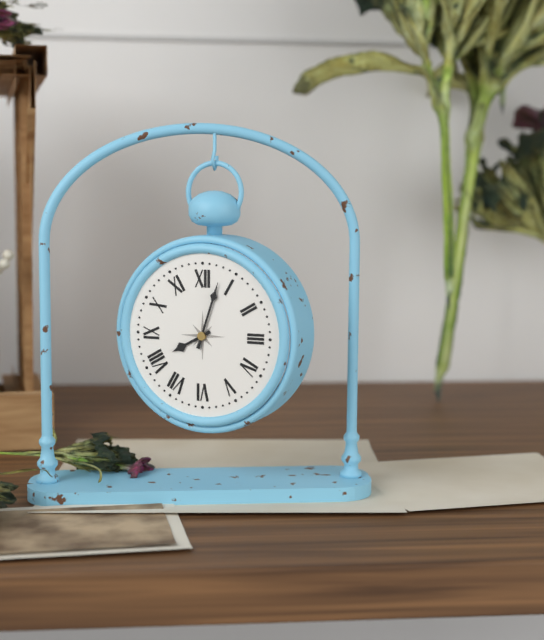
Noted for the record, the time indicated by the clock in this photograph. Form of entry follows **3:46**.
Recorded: **8:03**
